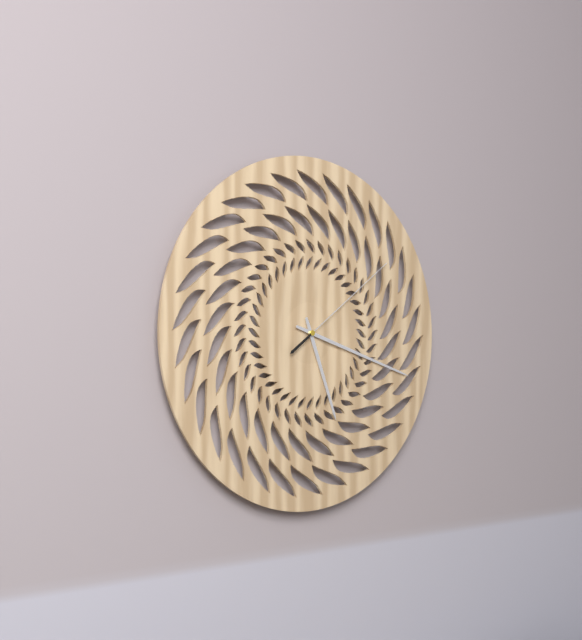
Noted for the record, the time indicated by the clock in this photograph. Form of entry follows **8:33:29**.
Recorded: **5:18:09**
